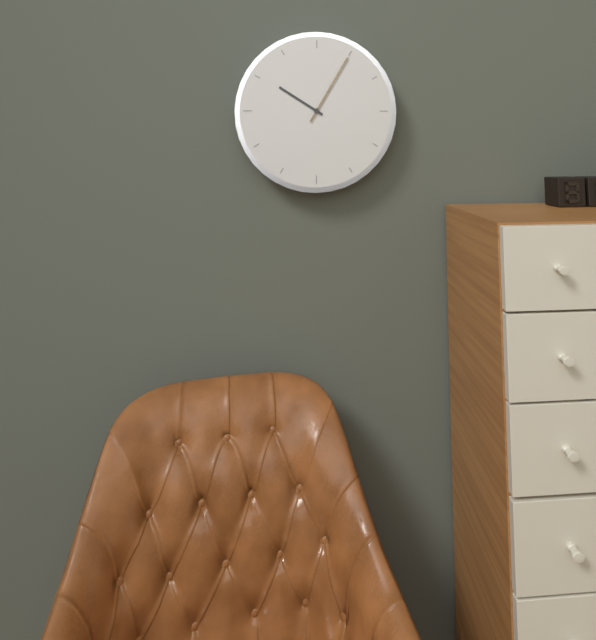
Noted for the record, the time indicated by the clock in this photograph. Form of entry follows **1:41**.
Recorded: **10:05**
